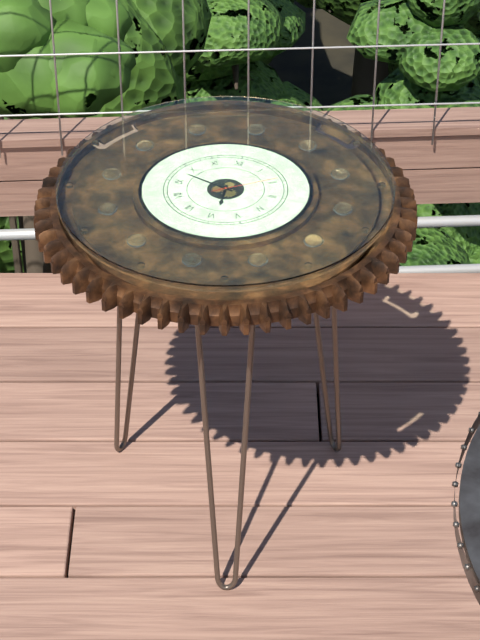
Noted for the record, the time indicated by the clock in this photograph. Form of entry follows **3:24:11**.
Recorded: **5:48:09**
